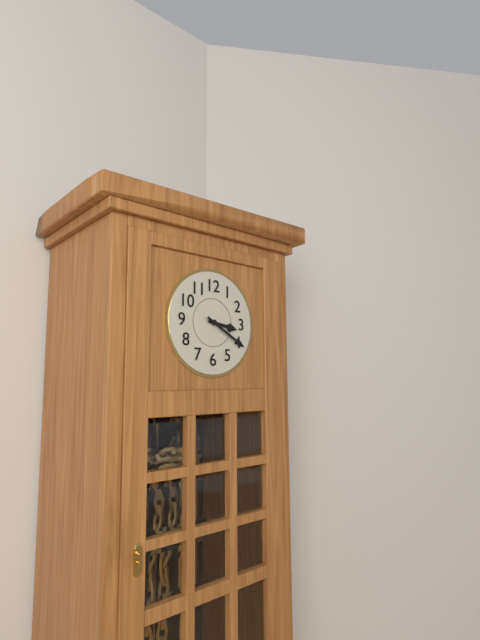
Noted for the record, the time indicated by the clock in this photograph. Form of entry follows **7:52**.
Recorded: **3:20**
